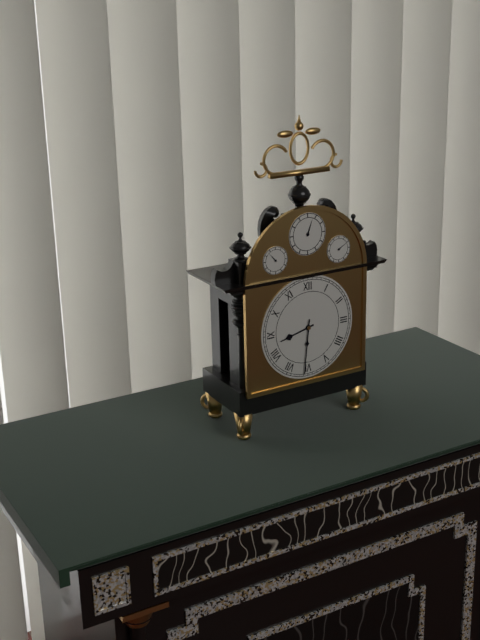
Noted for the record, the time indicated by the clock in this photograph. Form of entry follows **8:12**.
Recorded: **8:31**
